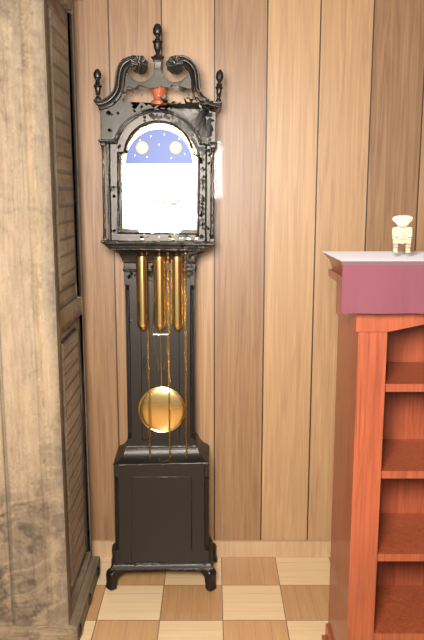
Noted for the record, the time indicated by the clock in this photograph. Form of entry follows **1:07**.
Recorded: **3:14**
